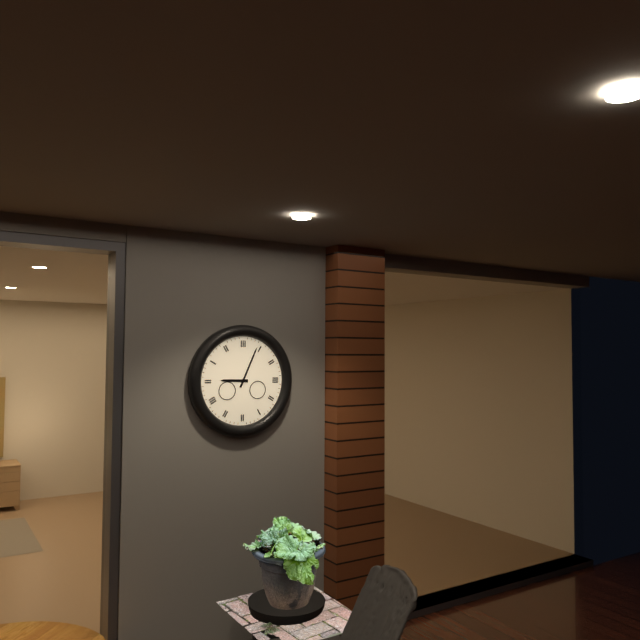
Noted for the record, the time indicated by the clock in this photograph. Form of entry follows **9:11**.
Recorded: **9:04**
